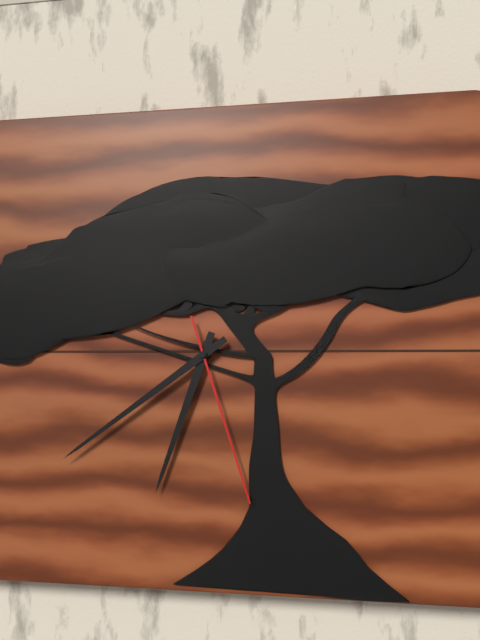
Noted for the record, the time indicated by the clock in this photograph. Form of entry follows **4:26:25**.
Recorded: **6:39:27**
